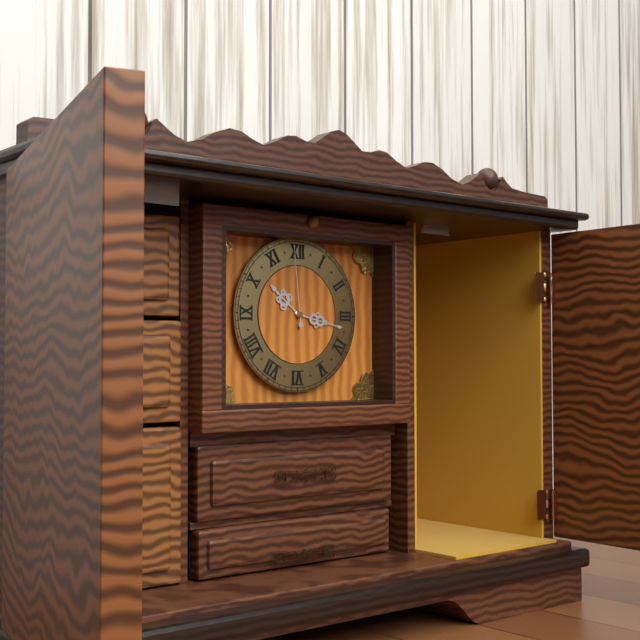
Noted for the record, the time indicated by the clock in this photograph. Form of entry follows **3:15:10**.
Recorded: **10:17:59**
